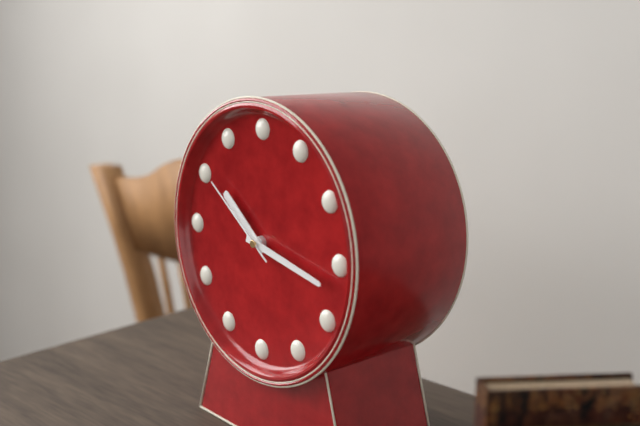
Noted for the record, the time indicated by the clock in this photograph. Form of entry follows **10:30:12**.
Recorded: **10:17:51**
